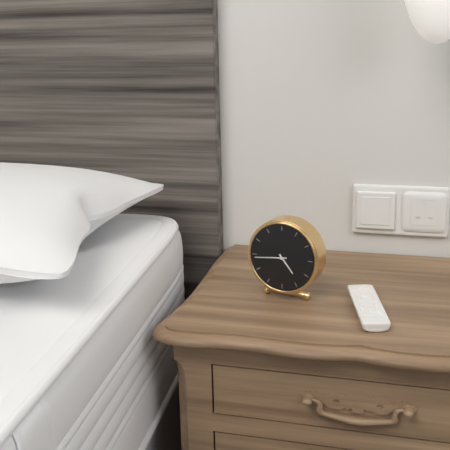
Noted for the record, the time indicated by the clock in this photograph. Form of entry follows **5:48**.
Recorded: **4:44**
